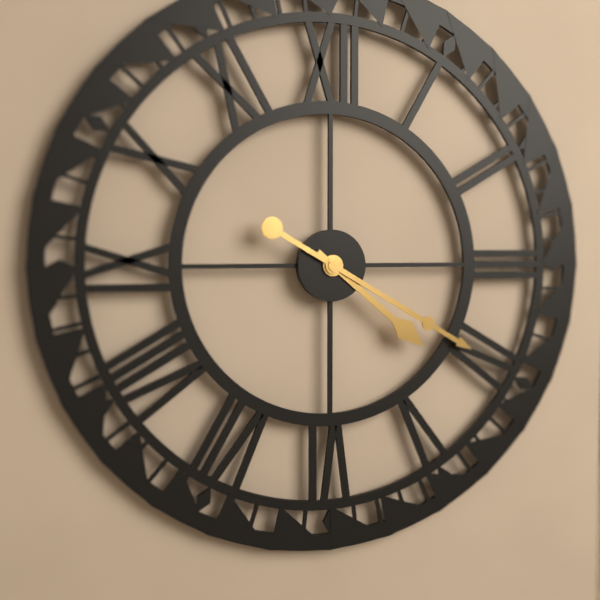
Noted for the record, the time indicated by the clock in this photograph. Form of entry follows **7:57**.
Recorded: **4:20**
